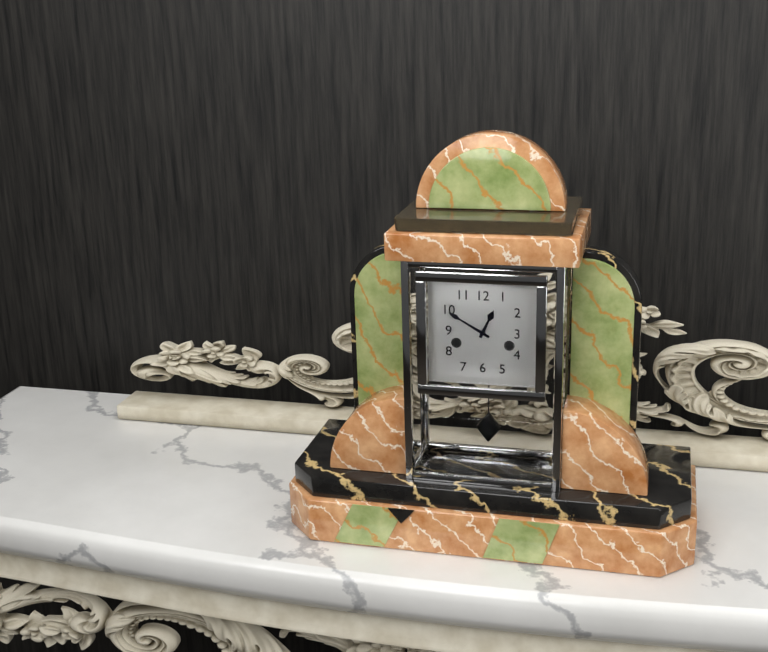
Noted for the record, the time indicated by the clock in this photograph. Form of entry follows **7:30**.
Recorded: **12:50**
